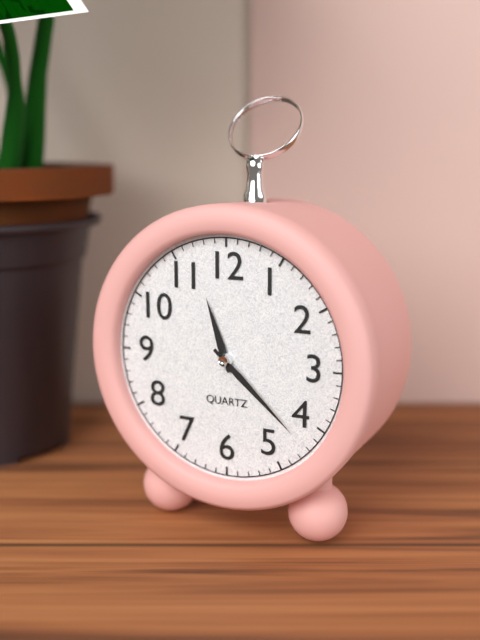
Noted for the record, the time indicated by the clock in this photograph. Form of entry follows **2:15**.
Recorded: **11:22**
